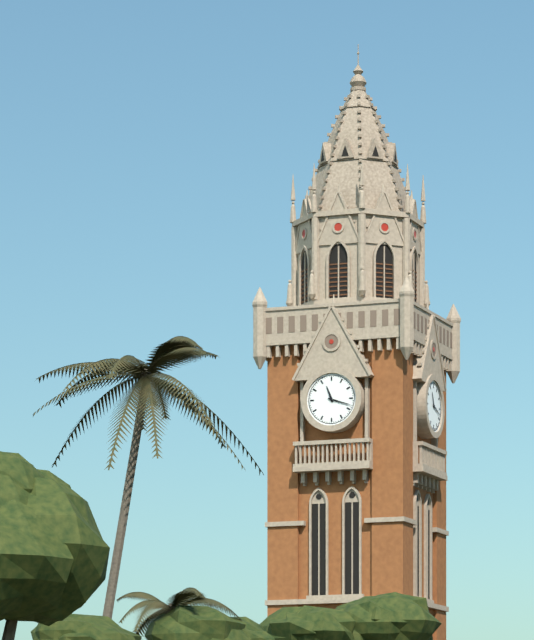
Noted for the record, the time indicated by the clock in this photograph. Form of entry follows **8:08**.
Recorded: **11:18**
